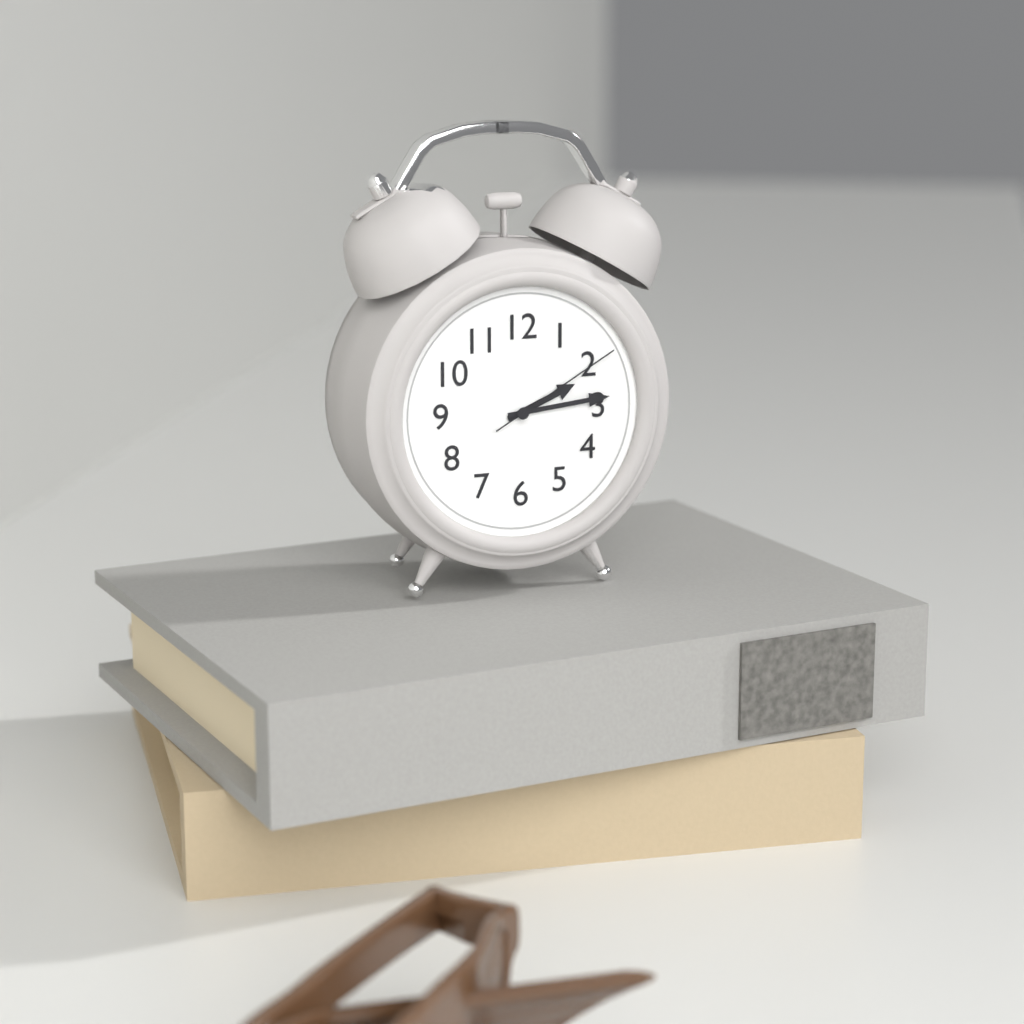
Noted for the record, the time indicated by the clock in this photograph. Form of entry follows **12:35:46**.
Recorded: **2:14:10**
